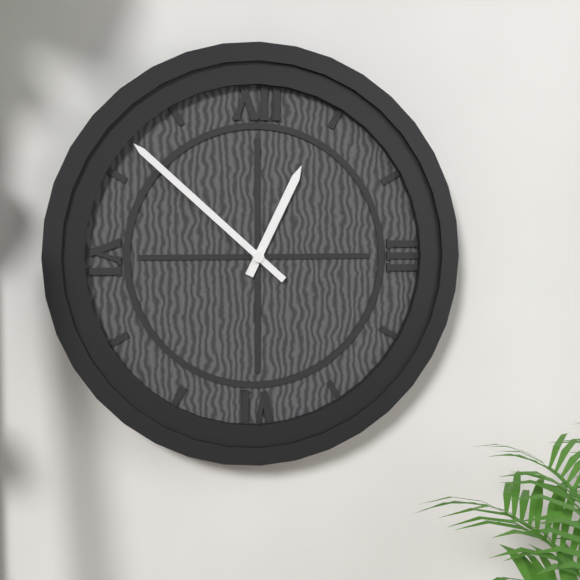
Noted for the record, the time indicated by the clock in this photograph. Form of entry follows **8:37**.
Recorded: **12:52**
